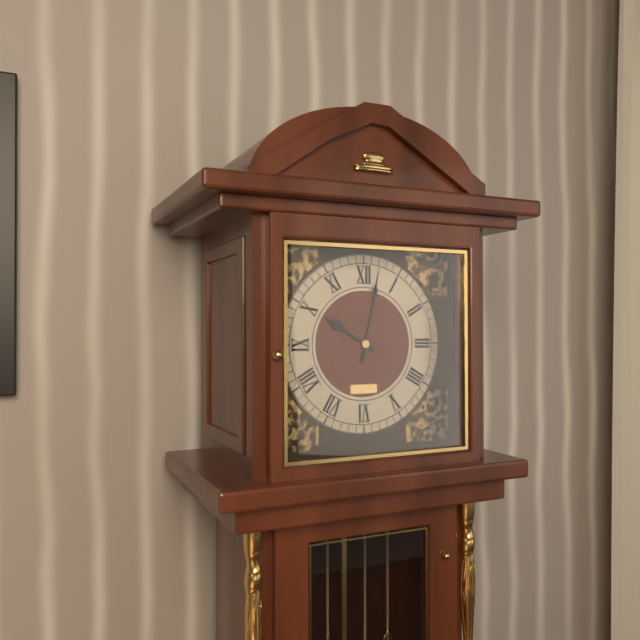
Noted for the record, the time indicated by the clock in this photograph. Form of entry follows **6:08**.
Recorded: **10:02**
